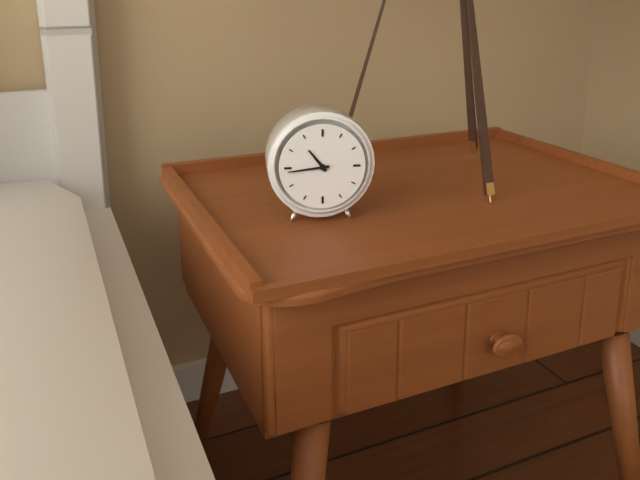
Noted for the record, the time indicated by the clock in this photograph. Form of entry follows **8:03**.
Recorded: **10:44**
